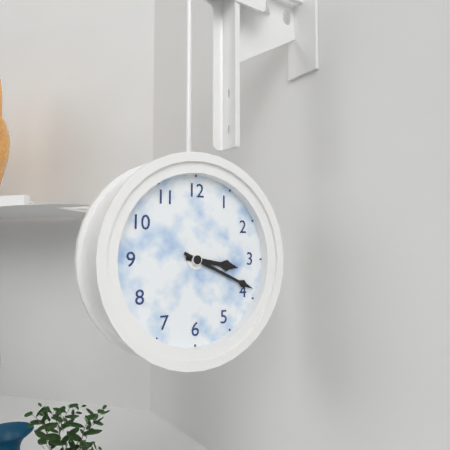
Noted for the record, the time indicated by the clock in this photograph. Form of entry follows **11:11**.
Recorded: **3:19**
